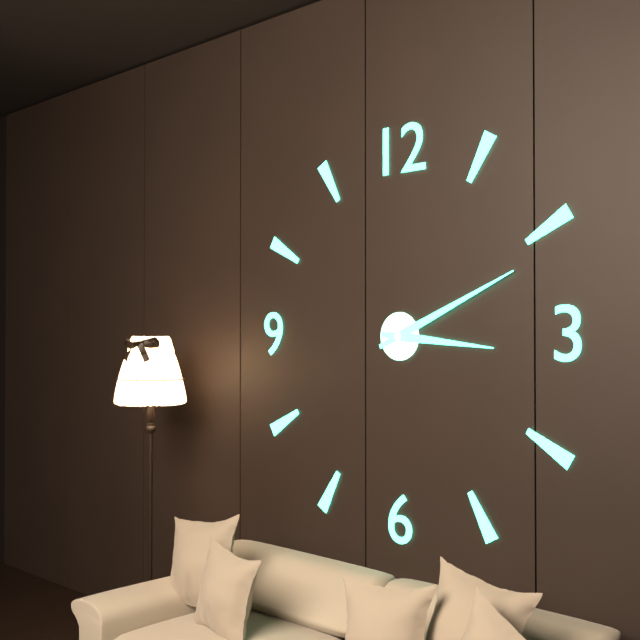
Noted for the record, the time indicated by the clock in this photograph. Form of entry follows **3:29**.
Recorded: **3:11**
